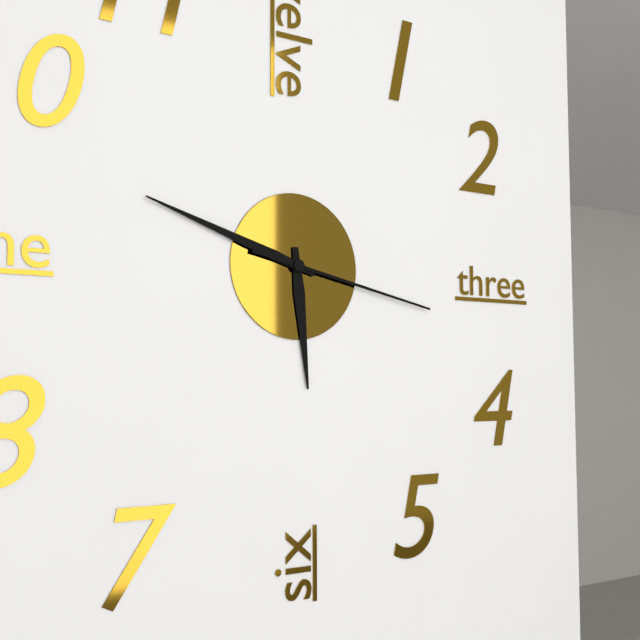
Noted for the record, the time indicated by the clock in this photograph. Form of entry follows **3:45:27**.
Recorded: **5:48:17**
